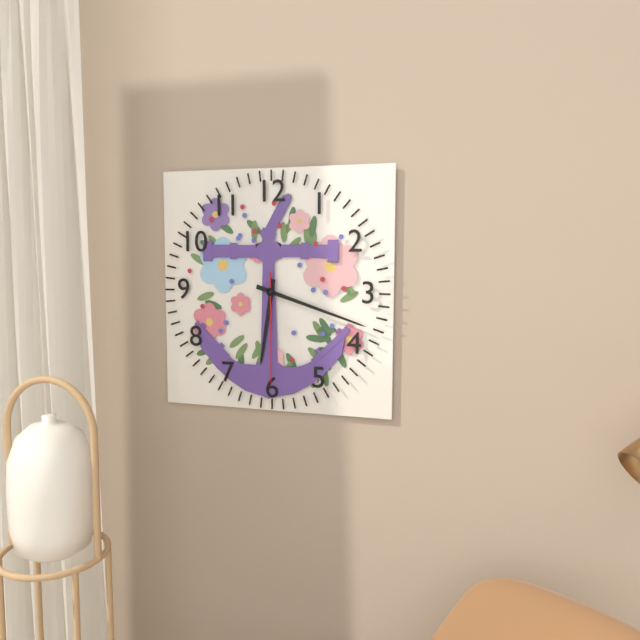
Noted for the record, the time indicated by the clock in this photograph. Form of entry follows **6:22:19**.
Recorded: **6:18:30**
